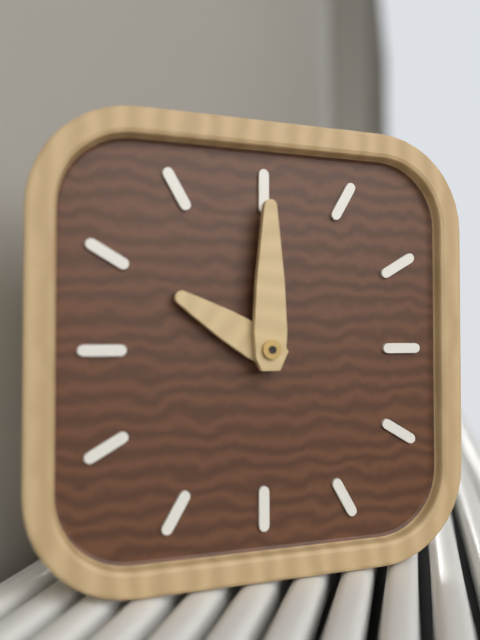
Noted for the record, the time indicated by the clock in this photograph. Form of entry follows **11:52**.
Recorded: **10:00**
